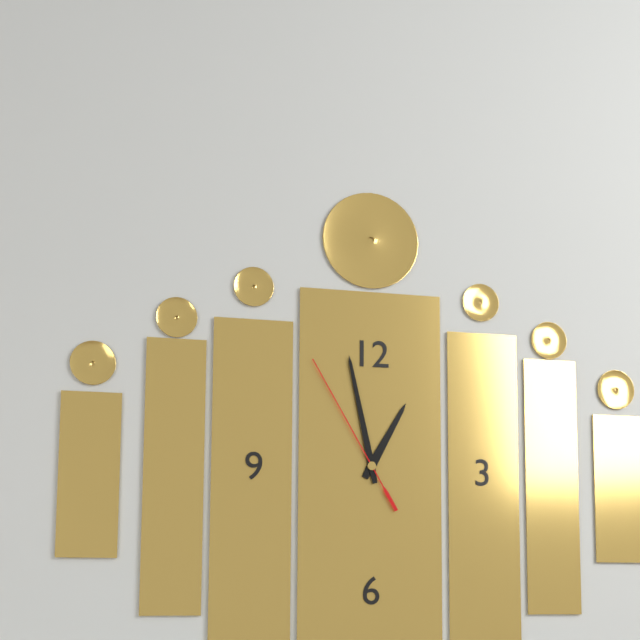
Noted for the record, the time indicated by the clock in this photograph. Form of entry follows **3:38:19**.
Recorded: **12:58:55**
